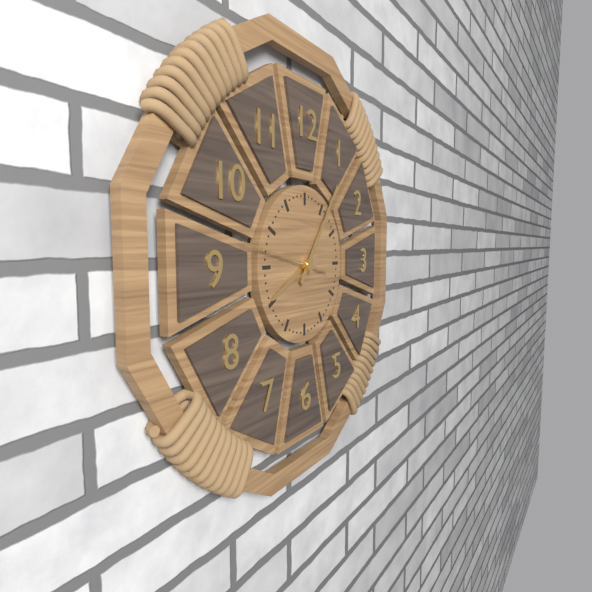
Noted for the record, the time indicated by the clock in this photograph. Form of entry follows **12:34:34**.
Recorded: **8:06:47**
